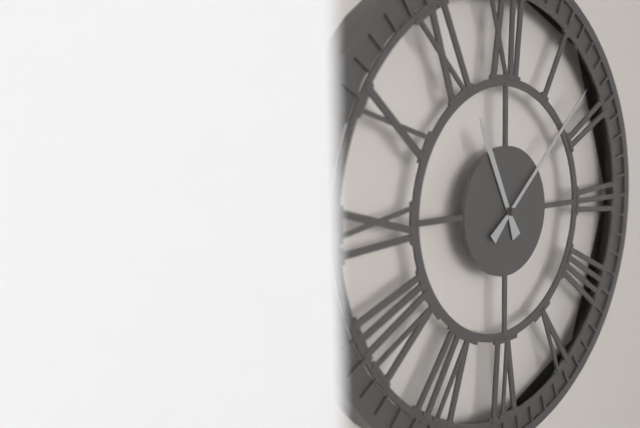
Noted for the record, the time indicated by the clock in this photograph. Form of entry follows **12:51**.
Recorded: **11:08**
